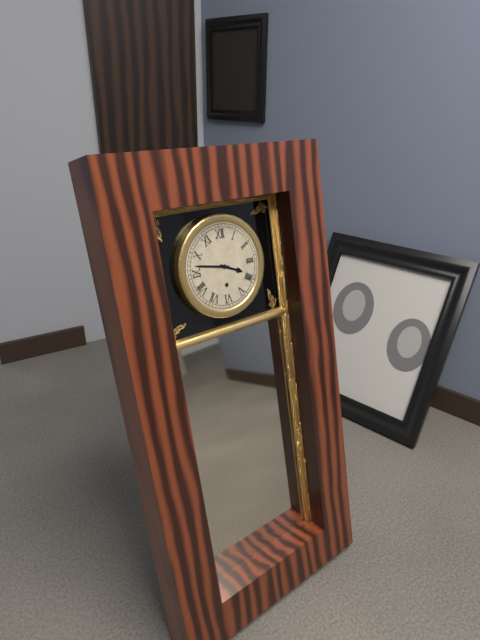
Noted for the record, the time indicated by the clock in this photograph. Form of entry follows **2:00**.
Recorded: **3:47**
